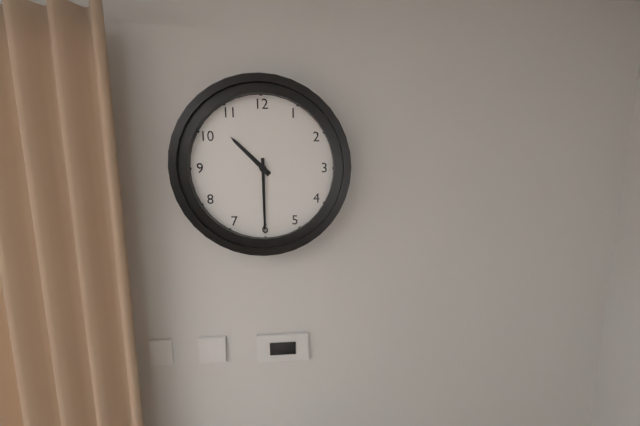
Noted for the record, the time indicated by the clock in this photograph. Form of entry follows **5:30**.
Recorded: **10:30**
